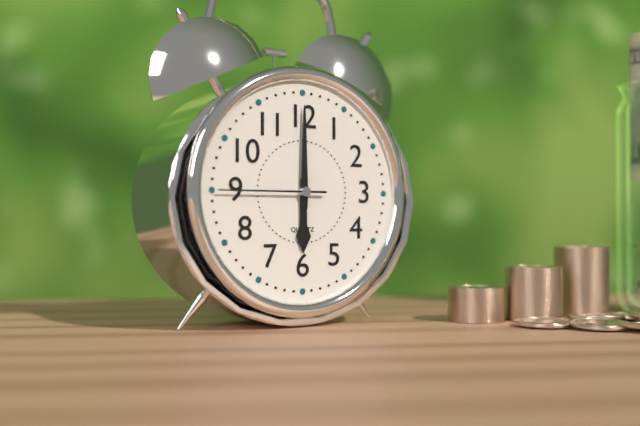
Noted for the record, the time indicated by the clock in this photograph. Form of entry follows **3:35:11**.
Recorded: **6:00:45**
